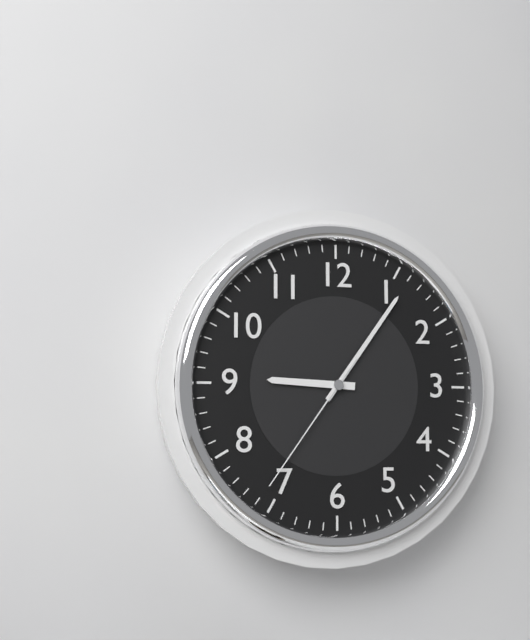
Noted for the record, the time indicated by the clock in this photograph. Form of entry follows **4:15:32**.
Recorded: **9:06:36**
